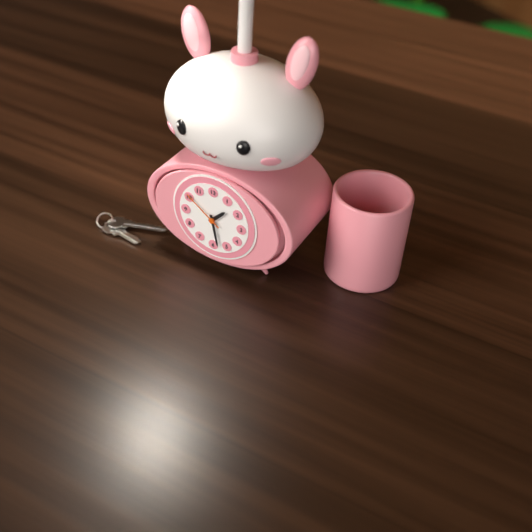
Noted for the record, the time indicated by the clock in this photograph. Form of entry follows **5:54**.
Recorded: **1:28**
